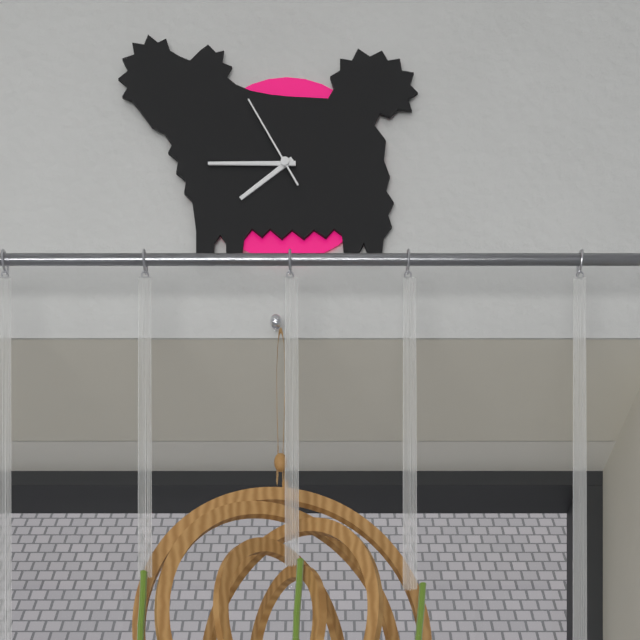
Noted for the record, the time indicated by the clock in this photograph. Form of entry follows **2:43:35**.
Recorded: **7:45:55**
